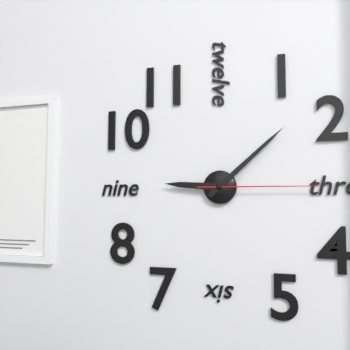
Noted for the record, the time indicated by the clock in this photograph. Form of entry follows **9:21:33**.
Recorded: **9:08:15**
